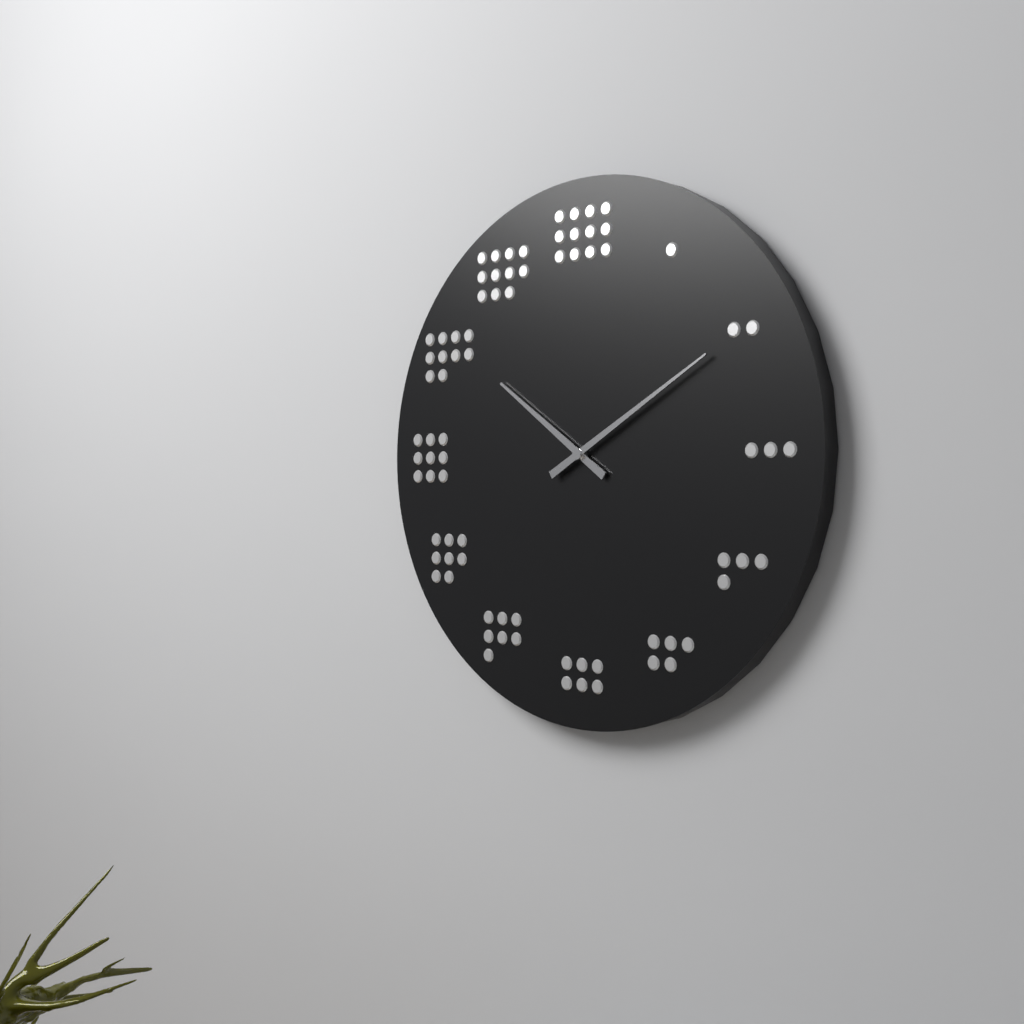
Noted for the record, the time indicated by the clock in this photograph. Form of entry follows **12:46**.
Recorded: **10:10**
